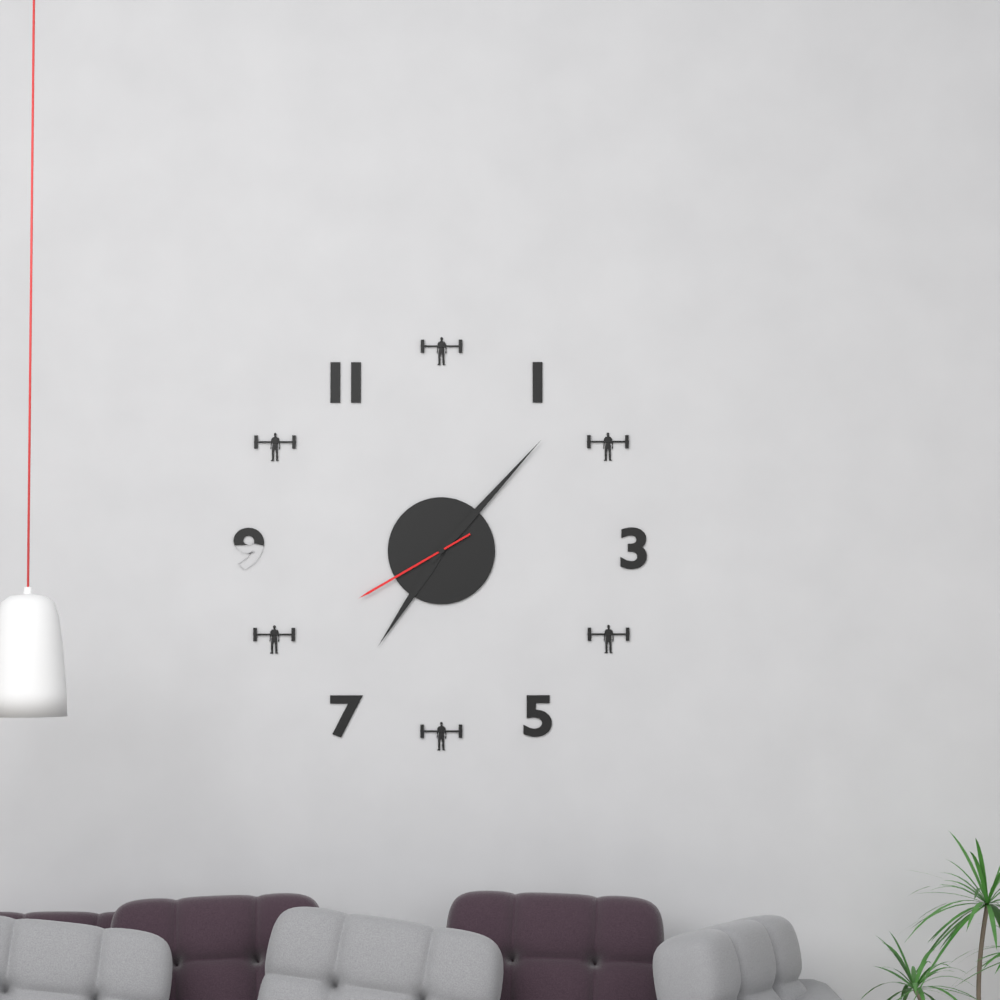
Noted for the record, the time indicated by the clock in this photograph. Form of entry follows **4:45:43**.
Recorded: **7:07:40**
